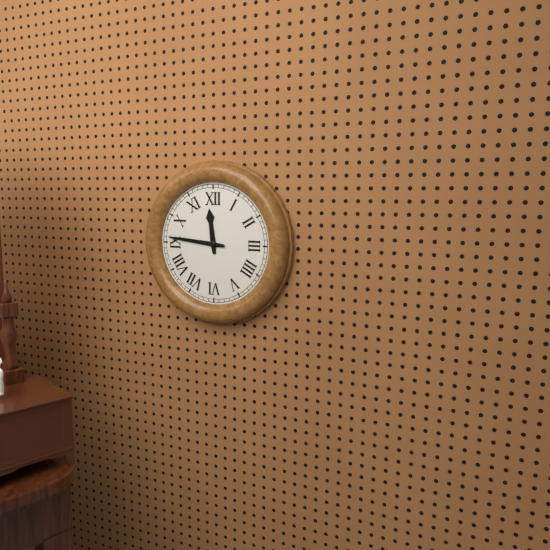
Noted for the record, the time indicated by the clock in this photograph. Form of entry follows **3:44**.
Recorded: **11:46**
